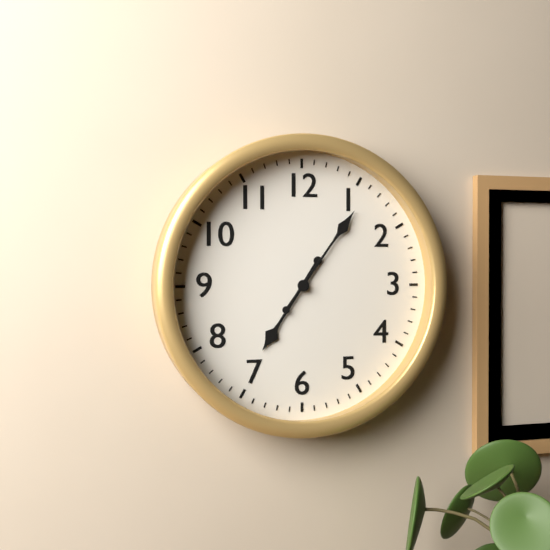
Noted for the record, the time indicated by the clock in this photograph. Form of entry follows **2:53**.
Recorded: **7:06**
